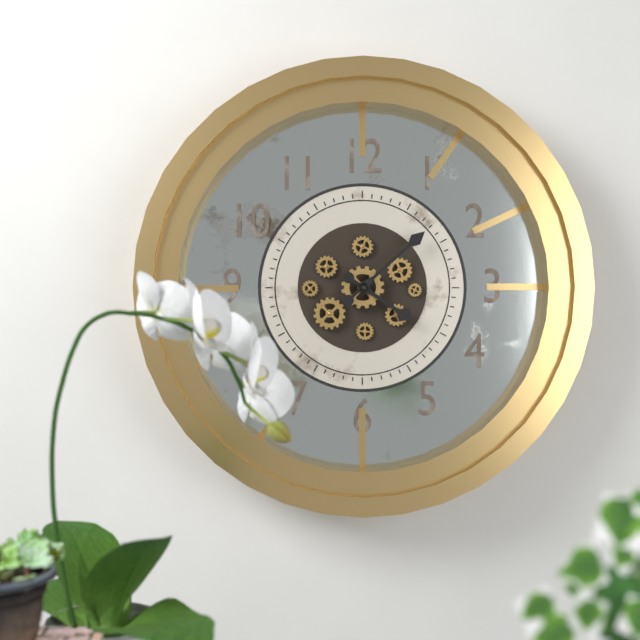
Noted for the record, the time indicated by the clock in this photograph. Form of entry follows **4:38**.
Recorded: **4:08**
